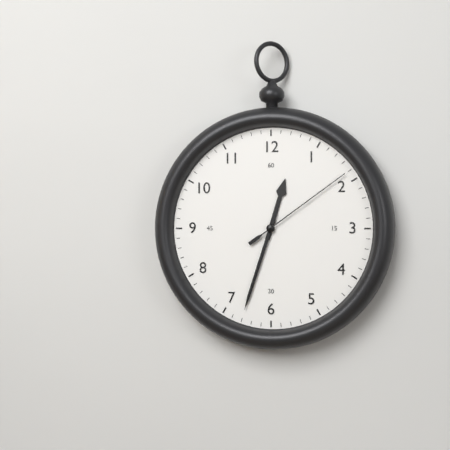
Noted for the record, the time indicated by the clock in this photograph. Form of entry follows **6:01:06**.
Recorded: **12:33:09**
